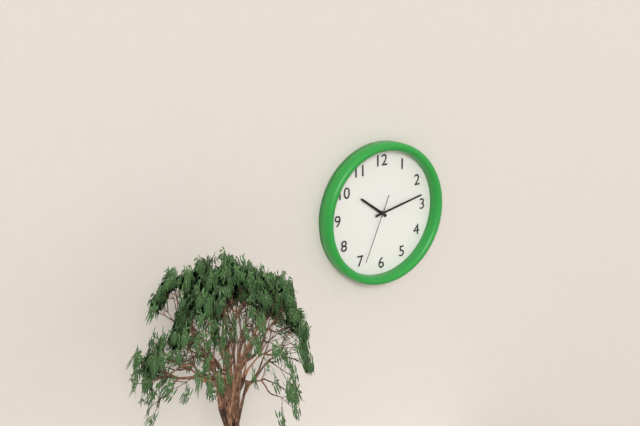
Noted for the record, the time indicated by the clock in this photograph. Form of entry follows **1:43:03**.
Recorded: **10:13:34**
